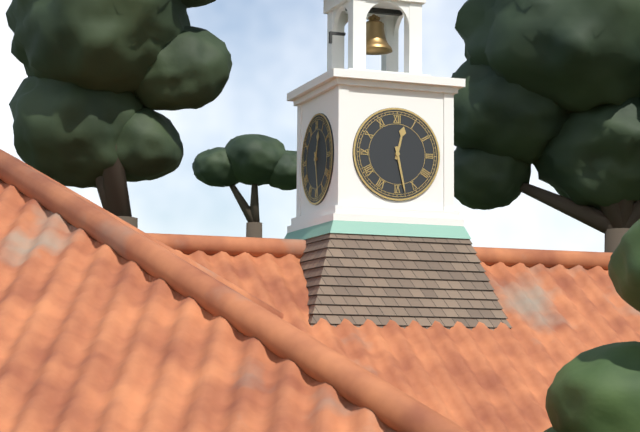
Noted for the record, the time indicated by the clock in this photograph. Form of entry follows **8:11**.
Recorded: **12:28**
